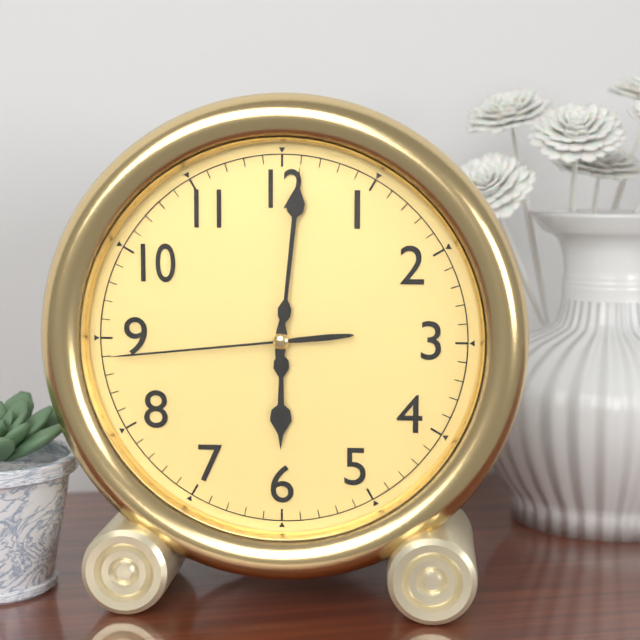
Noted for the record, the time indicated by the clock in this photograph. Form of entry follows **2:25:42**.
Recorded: **6:01:44**
